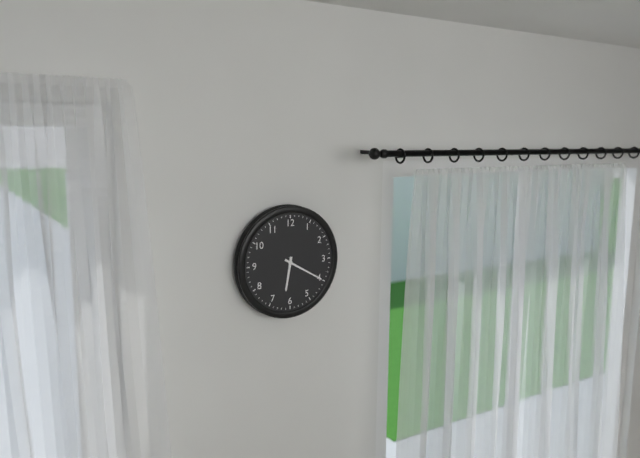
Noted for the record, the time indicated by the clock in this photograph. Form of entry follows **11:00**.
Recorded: **6:20**
